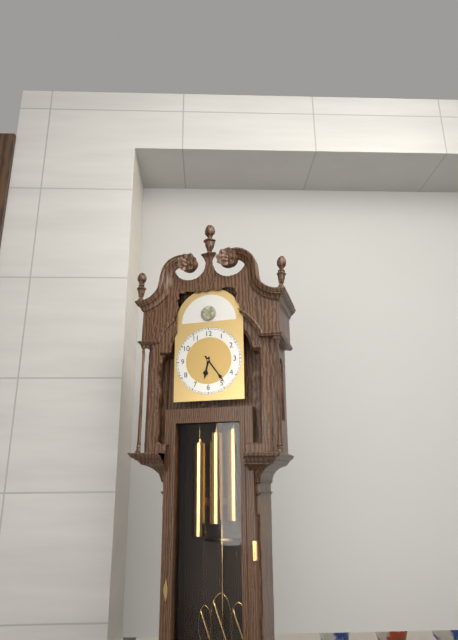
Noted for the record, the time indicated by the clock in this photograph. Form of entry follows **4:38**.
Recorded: **6:24**
